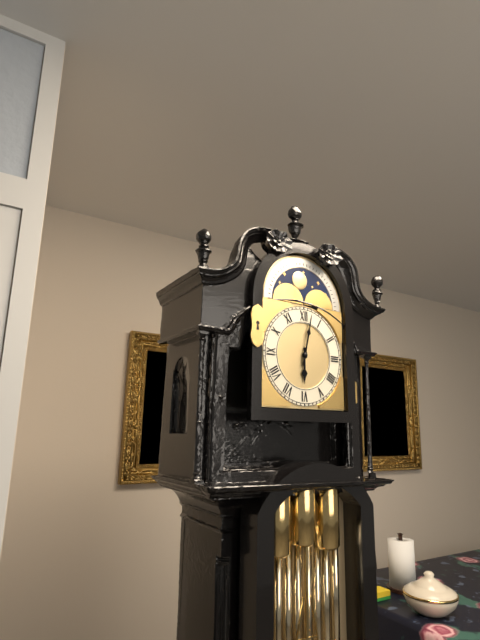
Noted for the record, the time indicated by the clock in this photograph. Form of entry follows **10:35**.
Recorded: **6:02**
